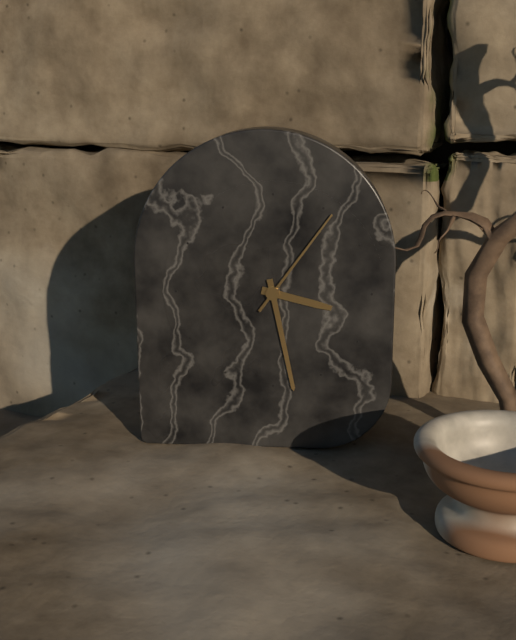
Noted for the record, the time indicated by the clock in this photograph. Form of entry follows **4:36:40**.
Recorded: **3:28:06**
